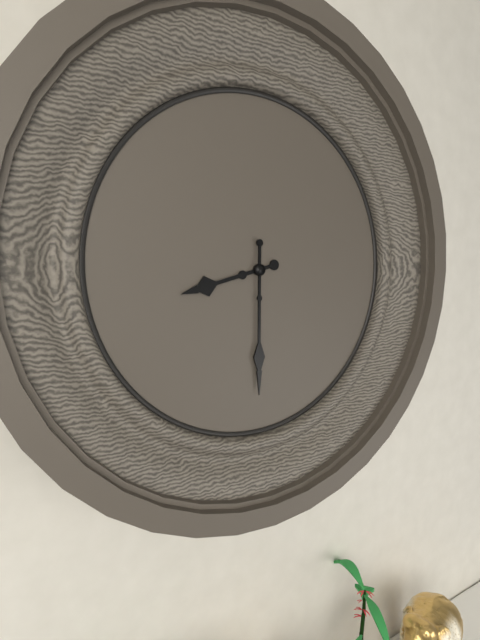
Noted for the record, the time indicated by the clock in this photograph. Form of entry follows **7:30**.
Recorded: **8:30**
